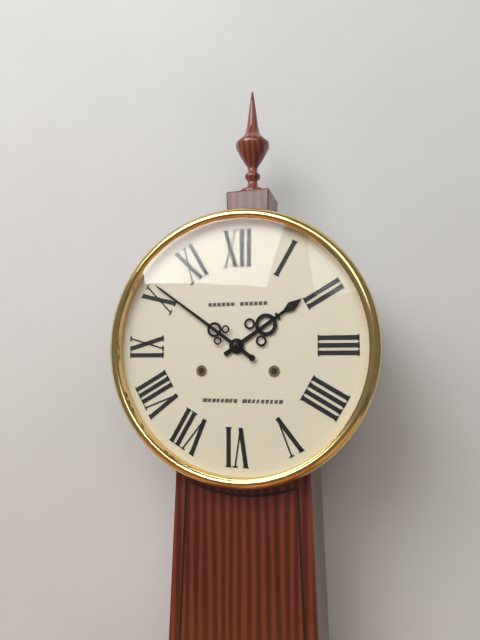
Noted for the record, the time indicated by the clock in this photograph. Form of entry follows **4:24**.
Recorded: **1:51**
